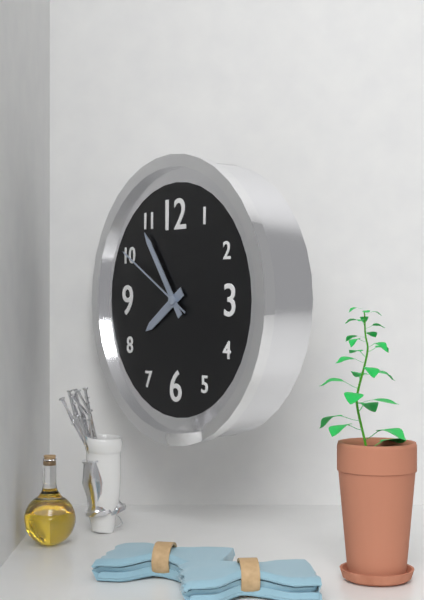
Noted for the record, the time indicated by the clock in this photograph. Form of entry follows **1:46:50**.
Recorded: **7:54:50**
